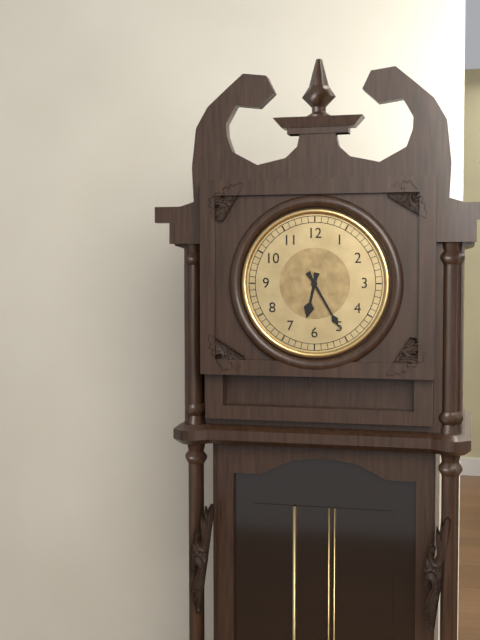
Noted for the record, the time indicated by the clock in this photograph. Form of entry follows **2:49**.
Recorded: **6:25**
